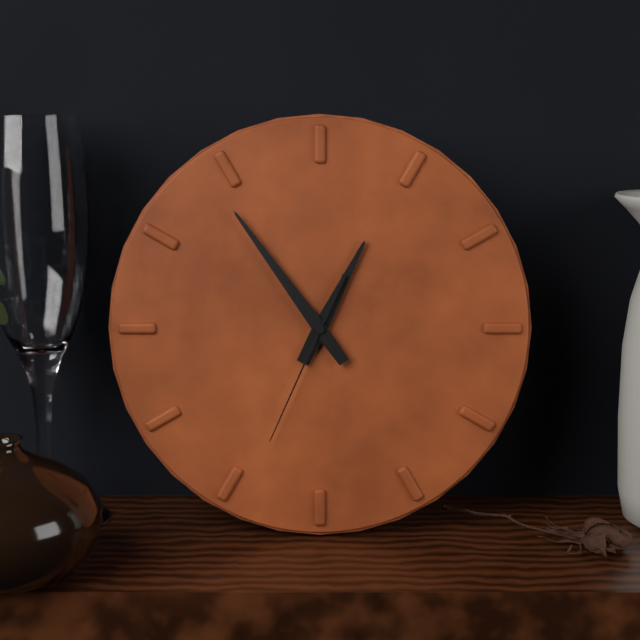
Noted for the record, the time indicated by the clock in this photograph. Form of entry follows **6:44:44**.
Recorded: **12:54:34**
